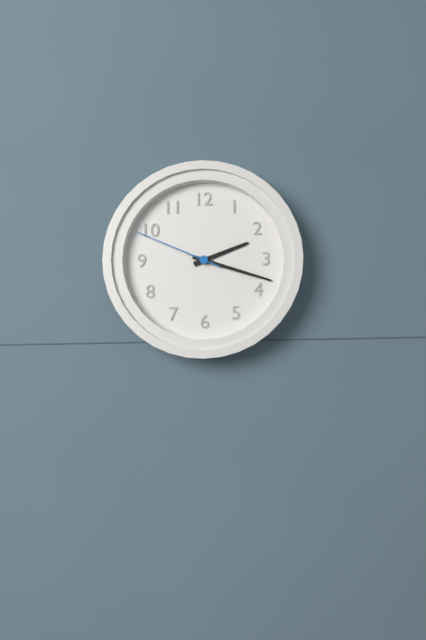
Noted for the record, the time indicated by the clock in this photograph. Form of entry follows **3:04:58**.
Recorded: **2:18:49**
